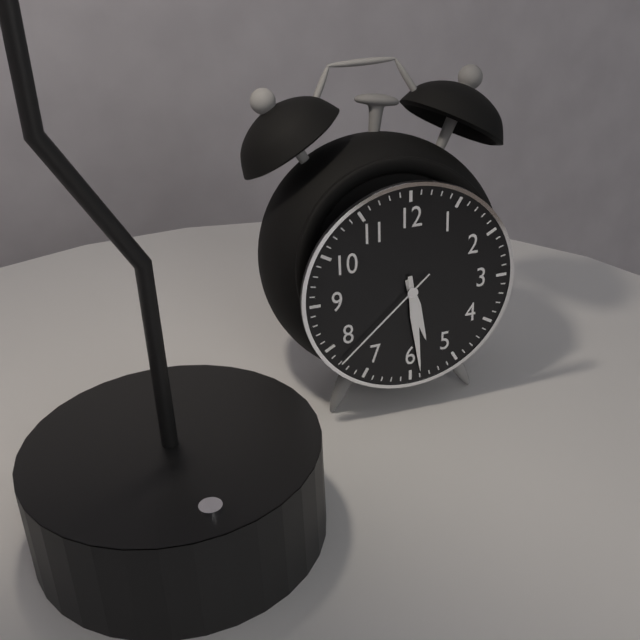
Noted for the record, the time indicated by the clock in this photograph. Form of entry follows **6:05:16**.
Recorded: **5:29:38**
